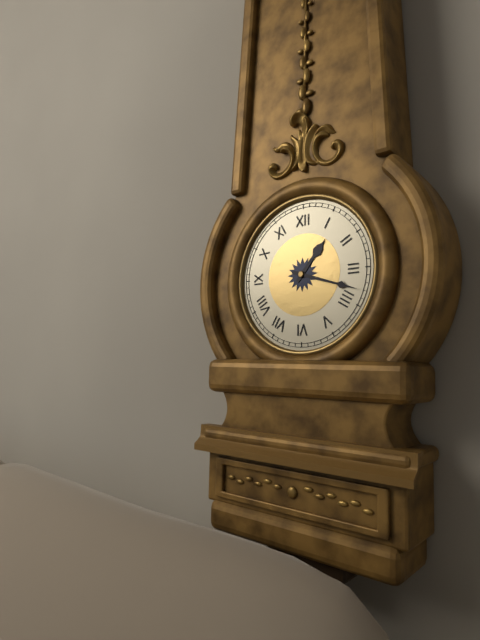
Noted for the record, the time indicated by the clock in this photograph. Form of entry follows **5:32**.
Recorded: **1:18**
